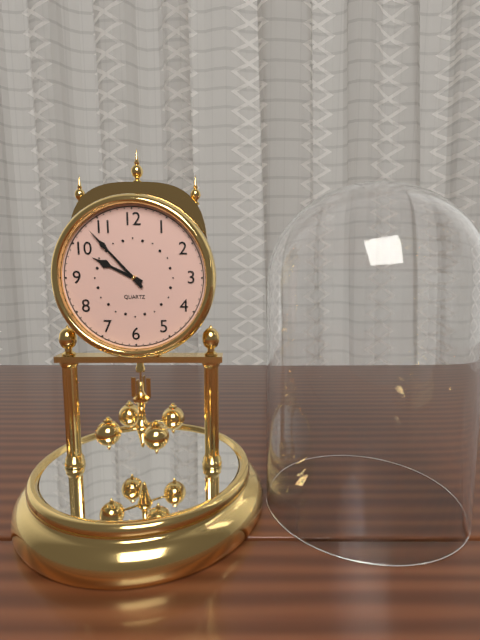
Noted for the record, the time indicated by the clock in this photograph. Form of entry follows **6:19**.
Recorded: **9:53**
